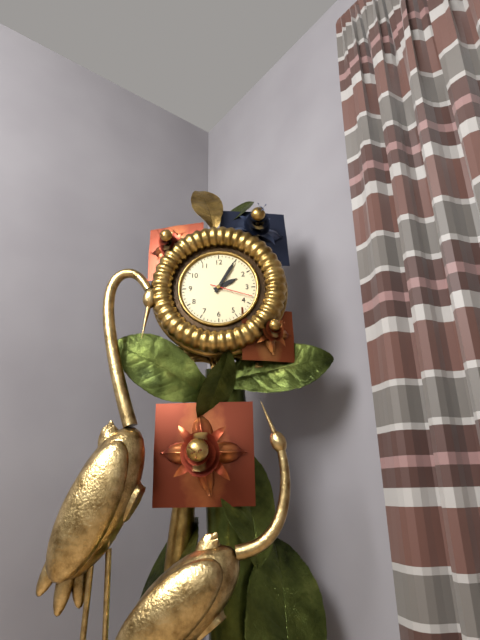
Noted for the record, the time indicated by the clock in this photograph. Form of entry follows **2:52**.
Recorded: **2:05**
